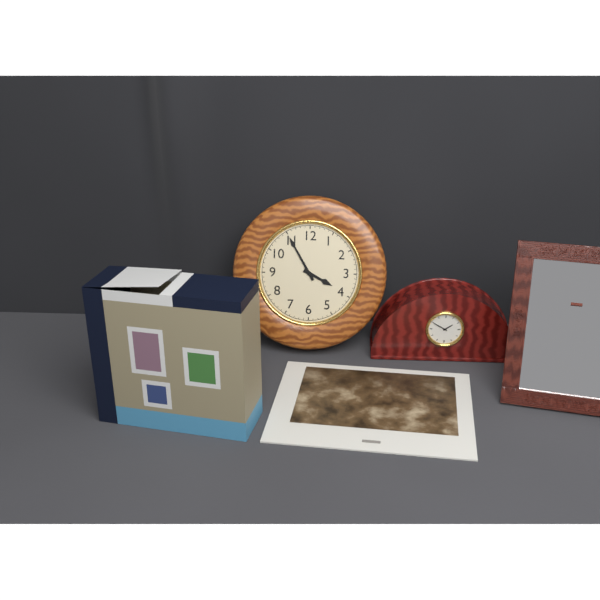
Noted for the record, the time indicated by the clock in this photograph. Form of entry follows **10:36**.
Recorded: **3:55**
